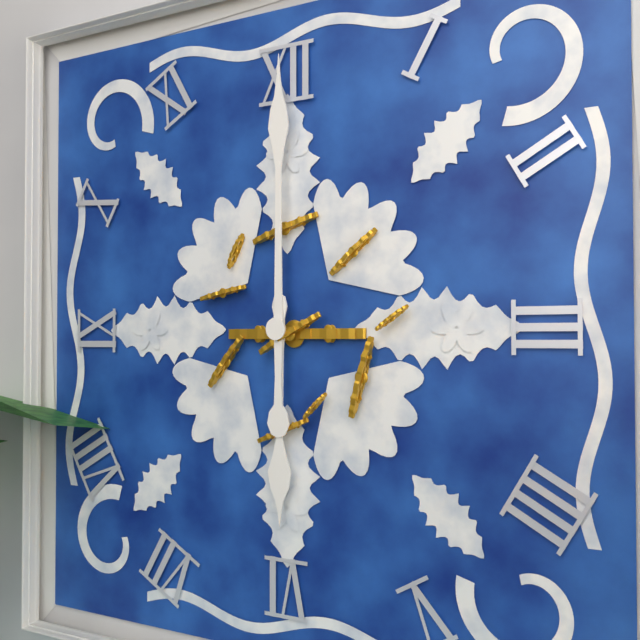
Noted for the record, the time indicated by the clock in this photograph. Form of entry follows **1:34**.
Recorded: **6:00**
